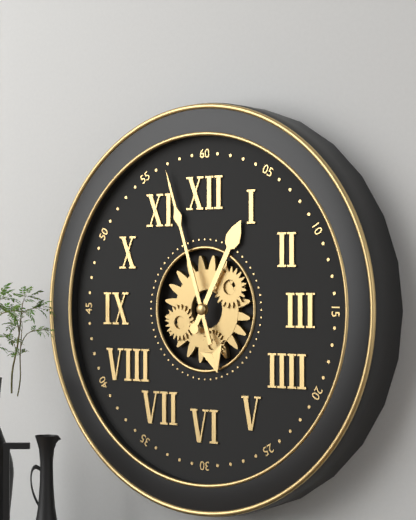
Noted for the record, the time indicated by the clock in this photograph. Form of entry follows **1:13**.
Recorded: **12:57**
